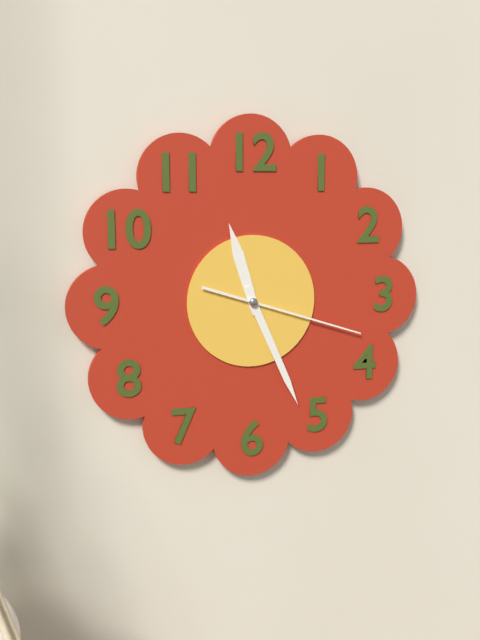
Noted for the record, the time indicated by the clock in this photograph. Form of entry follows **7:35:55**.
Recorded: **11:26:18**
